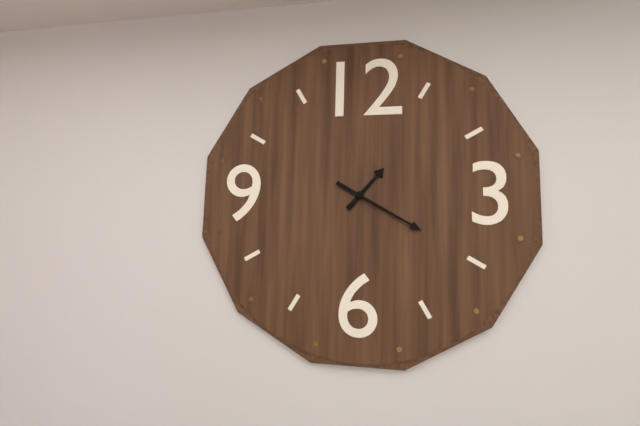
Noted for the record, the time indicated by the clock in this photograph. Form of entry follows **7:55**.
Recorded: **1:20**
